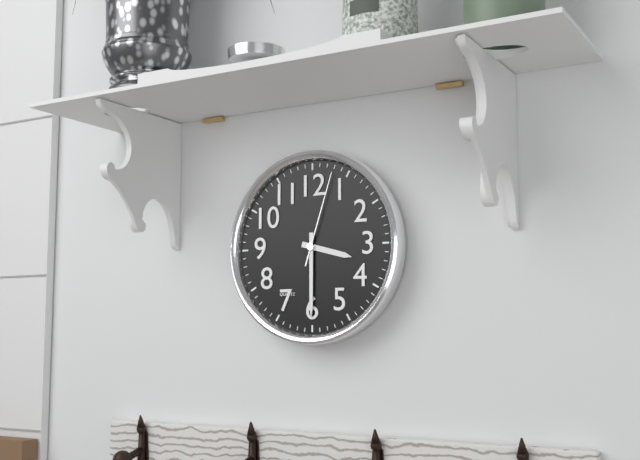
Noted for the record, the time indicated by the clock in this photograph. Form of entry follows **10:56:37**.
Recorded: **3:30:03**
